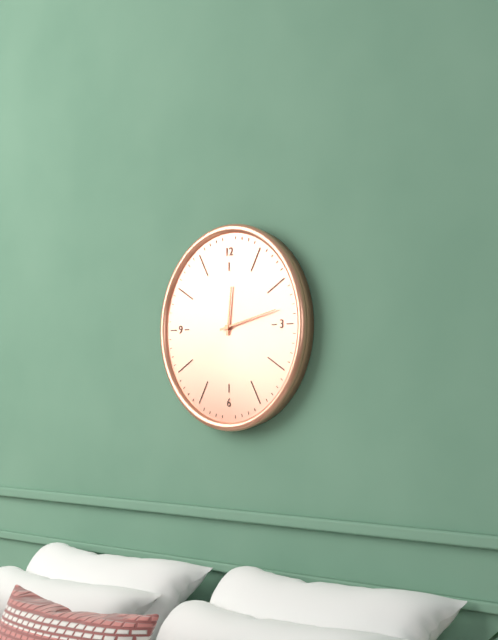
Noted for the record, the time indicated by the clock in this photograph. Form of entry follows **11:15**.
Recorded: **12:13**
